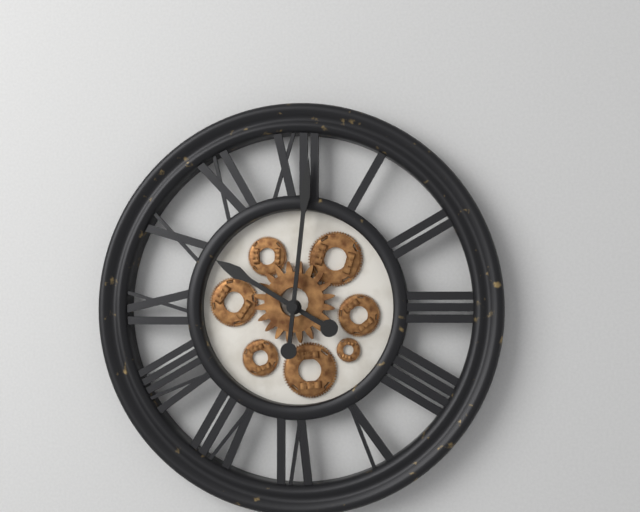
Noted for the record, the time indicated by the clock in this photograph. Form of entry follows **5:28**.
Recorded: **10:01**
